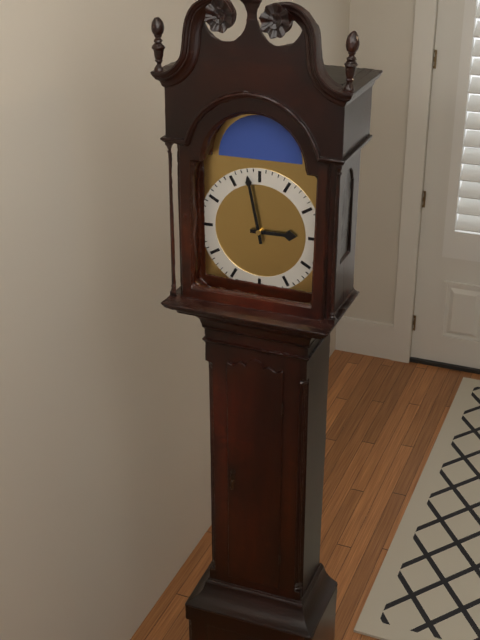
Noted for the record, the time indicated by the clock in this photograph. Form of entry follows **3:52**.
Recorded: **2:58**
